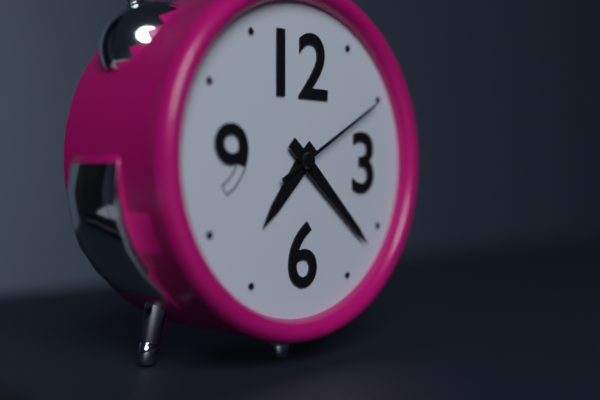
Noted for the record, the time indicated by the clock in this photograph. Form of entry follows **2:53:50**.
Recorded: **7:22:10**
